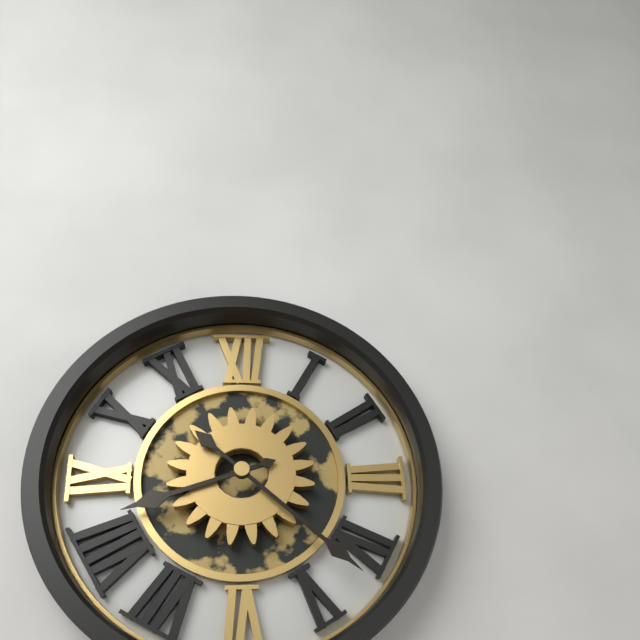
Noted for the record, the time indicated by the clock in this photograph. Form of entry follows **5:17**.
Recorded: **8:22**
